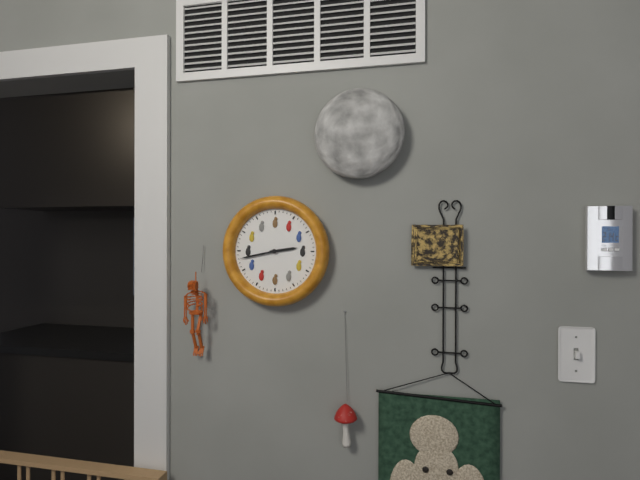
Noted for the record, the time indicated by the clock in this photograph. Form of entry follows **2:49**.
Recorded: **2:43**
